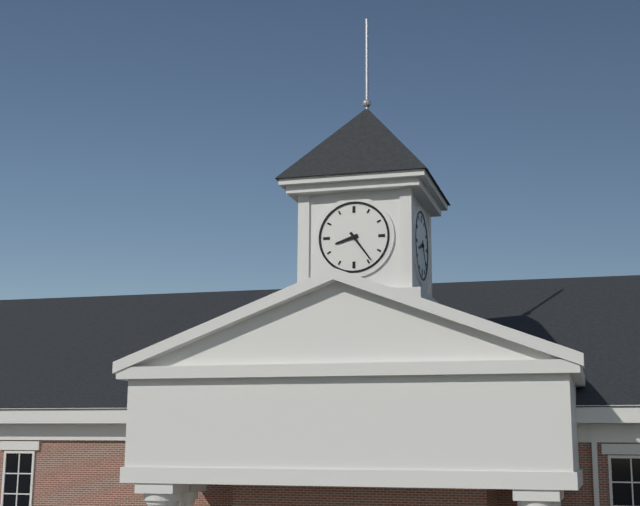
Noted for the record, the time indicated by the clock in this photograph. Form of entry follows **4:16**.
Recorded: **8:24**
